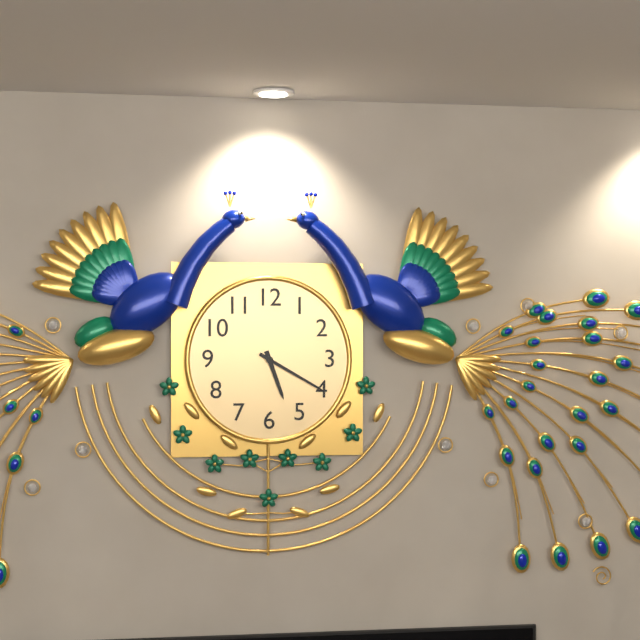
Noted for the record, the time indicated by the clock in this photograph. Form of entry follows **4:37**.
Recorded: **5:20**
